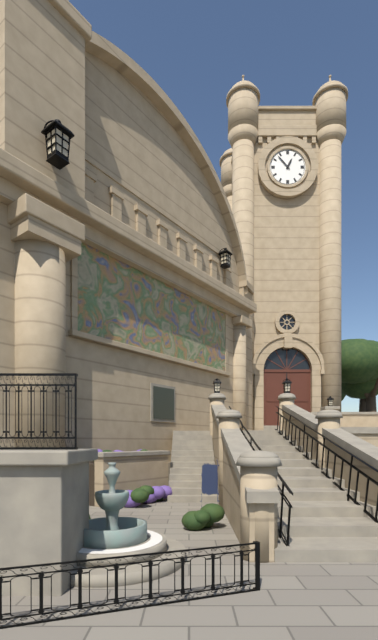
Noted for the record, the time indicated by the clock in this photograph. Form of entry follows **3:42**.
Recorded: **12:53**
